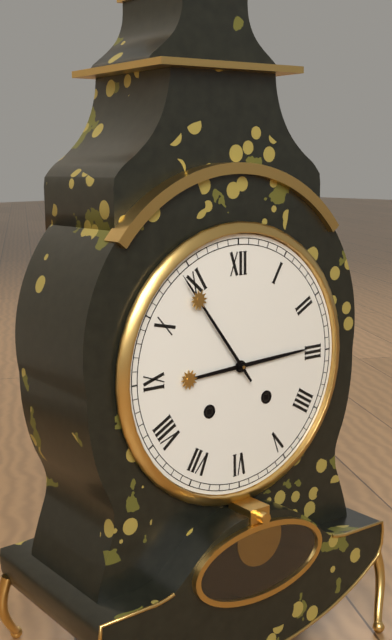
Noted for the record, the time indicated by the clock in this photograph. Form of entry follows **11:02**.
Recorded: **2:54**
